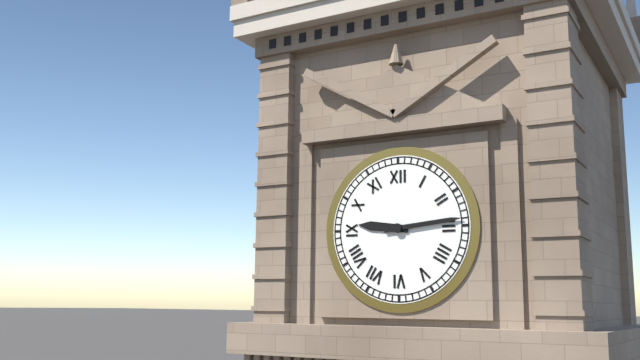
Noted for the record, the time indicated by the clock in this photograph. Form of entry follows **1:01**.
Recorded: **9:14**
